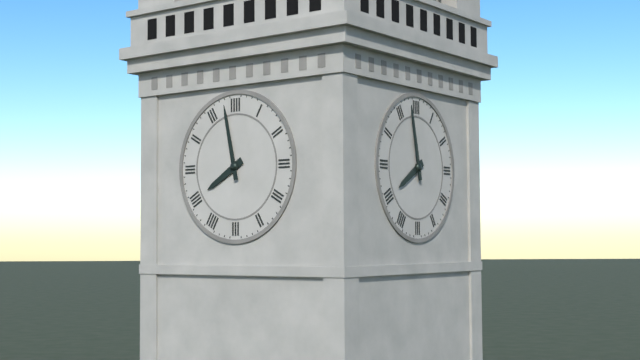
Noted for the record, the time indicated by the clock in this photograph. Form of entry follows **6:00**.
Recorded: **7:58**
